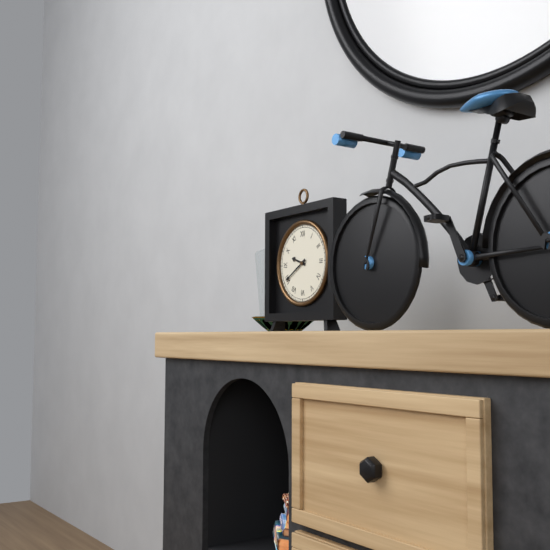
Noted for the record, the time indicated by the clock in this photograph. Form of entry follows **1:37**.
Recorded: **9:40**
